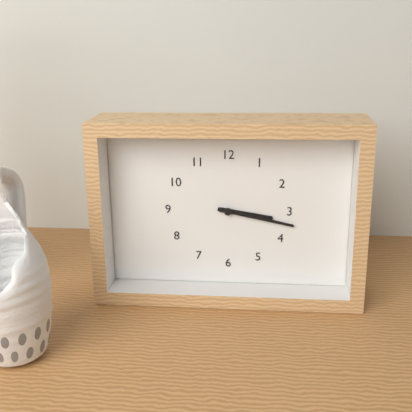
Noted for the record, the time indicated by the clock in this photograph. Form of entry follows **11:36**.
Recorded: **3:17**
